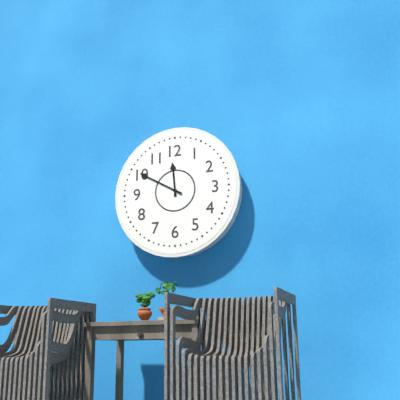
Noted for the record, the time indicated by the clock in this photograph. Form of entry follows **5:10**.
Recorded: **11:50**
